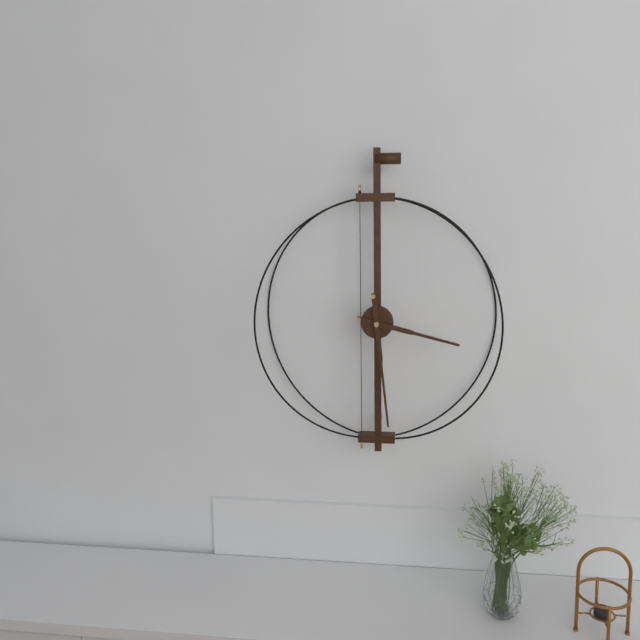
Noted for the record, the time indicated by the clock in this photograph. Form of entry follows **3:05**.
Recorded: **3:29**
